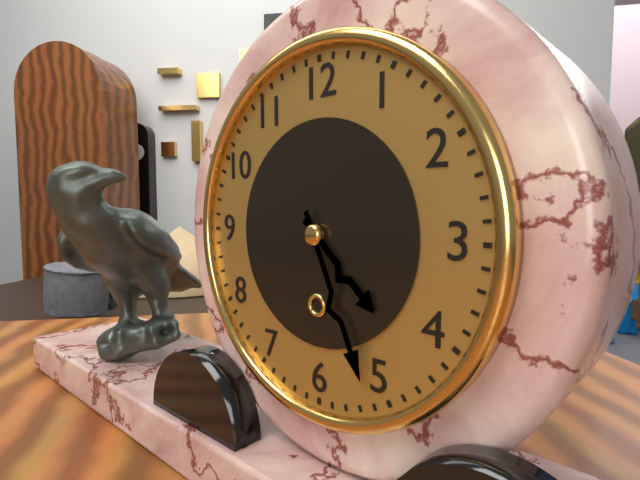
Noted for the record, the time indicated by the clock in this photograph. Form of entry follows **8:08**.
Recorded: **4:26**
